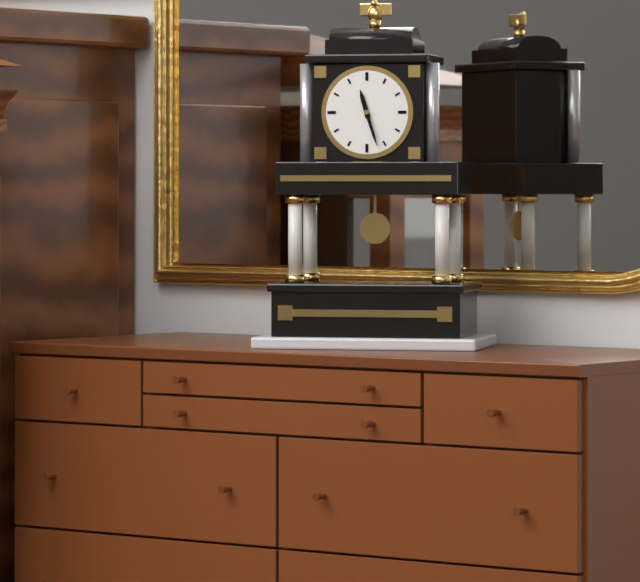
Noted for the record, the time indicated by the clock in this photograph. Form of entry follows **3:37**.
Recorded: **11:27**
